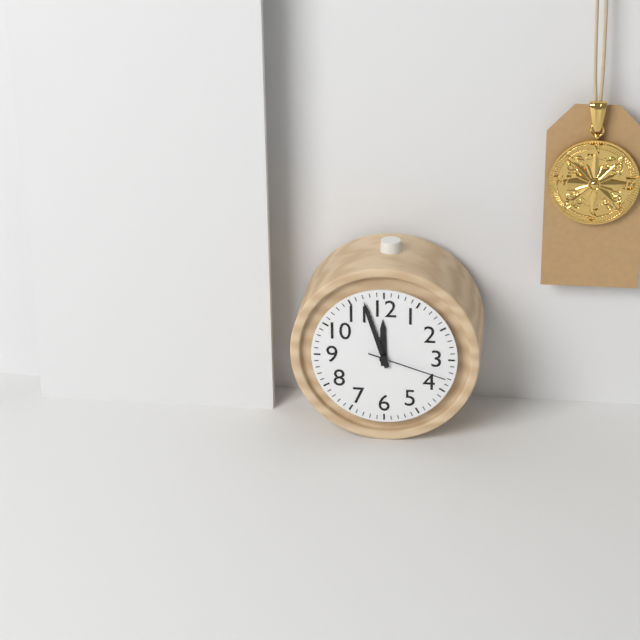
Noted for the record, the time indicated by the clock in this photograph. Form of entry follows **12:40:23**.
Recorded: **11:57:18**
